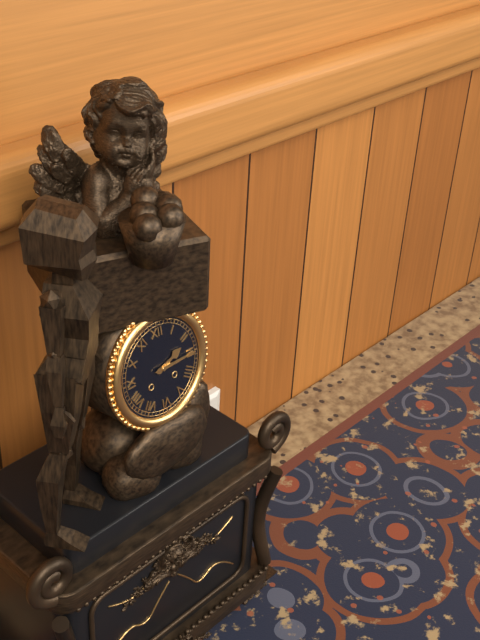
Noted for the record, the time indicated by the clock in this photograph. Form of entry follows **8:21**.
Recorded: **2:15**
